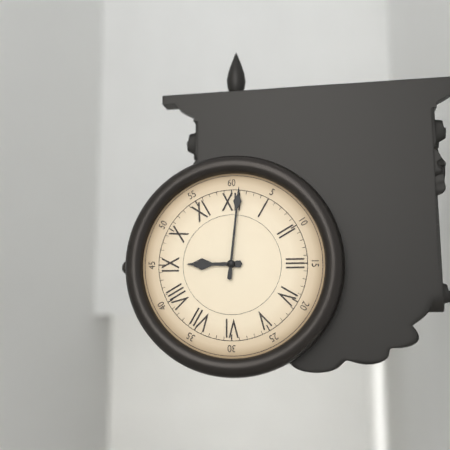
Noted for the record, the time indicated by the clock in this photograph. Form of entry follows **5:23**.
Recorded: **9:01**
